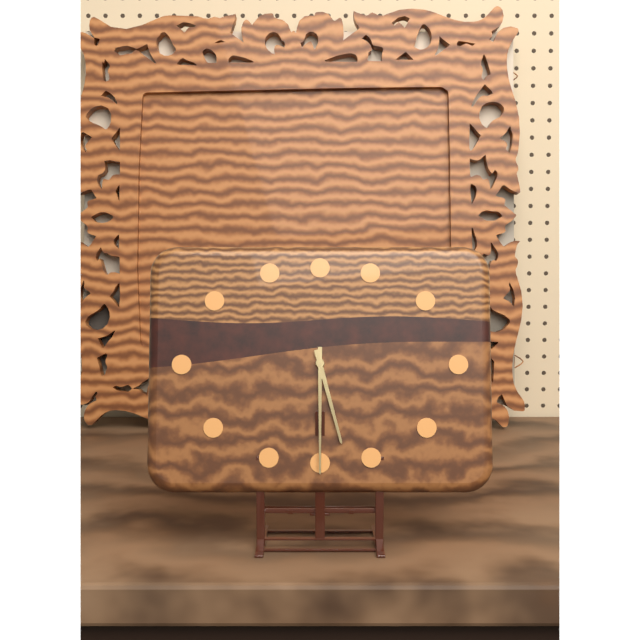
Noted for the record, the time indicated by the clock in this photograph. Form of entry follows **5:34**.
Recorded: **5:30**
